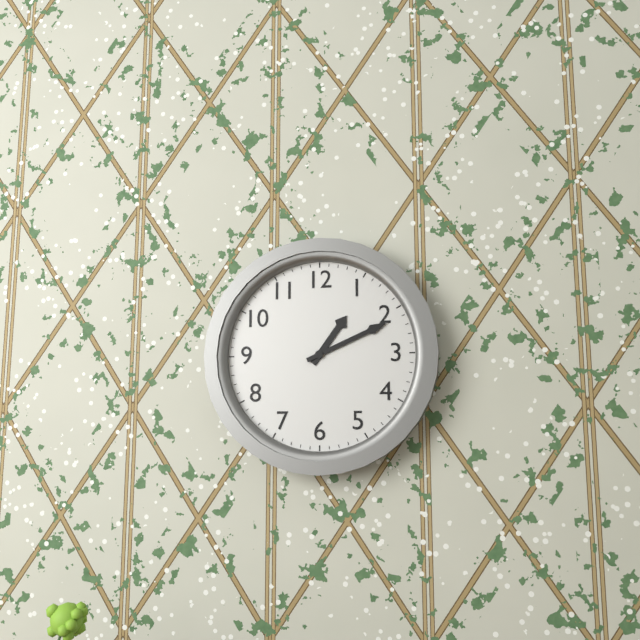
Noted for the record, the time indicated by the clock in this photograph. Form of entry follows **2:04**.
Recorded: **1:11**
